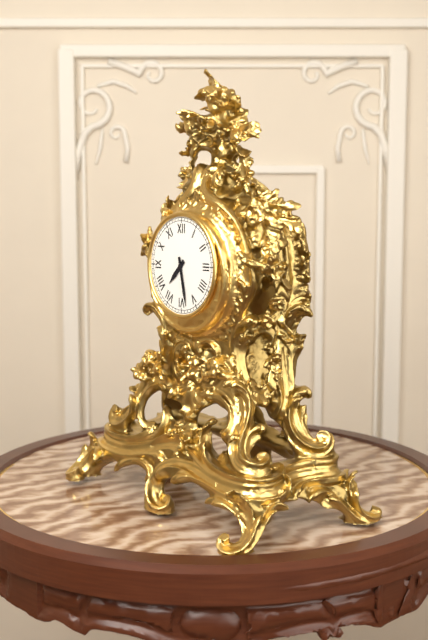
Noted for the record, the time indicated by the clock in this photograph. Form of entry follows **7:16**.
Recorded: **7:28**
